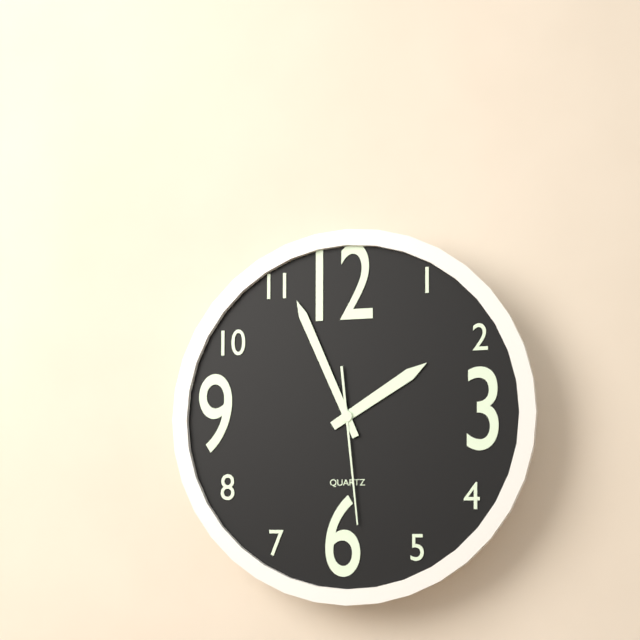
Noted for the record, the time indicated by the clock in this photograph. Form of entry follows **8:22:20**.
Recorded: **1:56:29**
